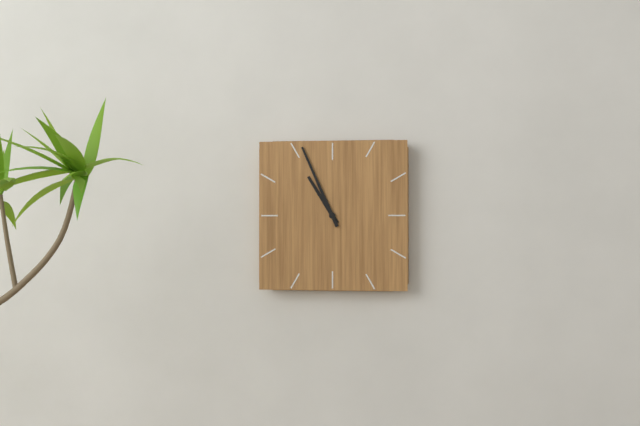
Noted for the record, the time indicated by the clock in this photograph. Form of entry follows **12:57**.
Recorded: **10:56**
